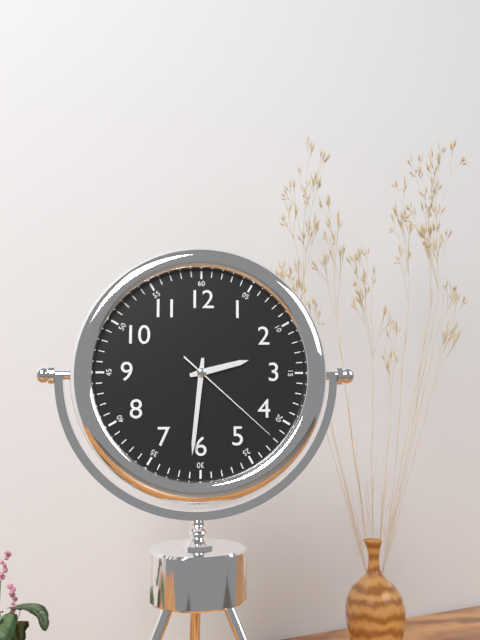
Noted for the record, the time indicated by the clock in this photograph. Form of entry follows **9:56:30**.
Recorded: **2:31:22**
